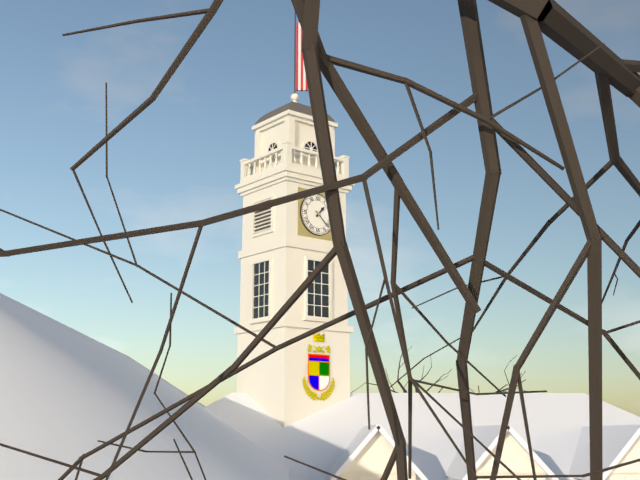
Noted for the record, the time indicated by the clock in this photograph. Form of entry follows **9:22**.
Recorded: **1:22**
